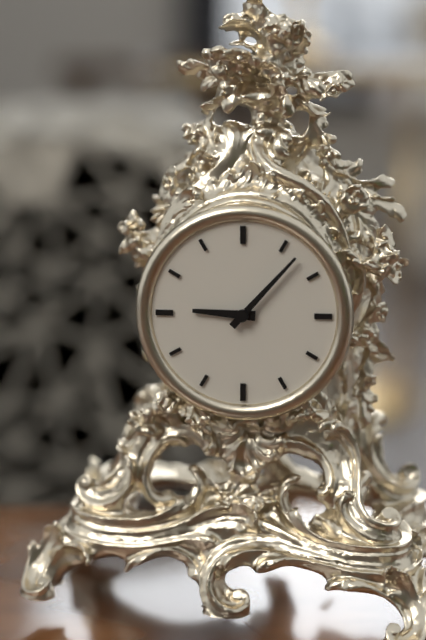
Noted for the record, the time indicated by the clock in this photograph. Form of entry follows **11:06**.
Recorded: **9:07**
